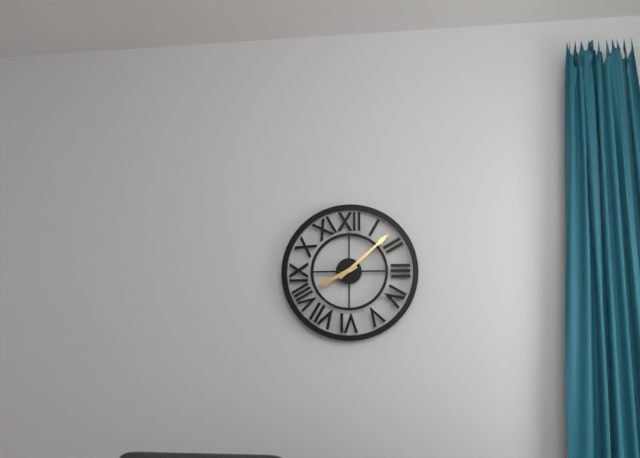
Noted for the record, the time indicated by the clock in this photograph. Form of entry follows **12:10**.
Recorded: **8:08**
